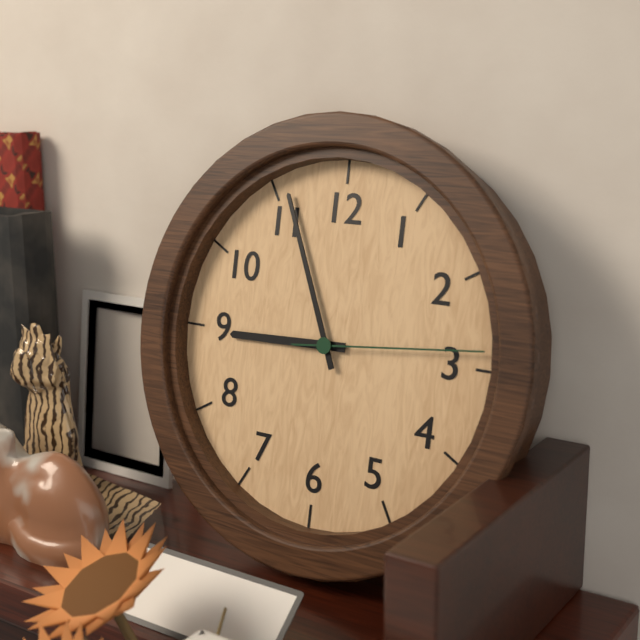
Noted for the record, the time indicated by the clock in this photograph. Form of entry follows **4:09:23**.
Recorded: **8:56:14**
